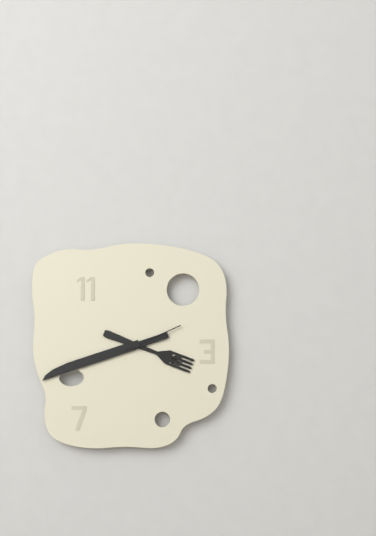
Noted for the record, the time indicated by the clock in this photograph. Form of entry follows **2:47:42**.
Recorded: **3:42:11**
